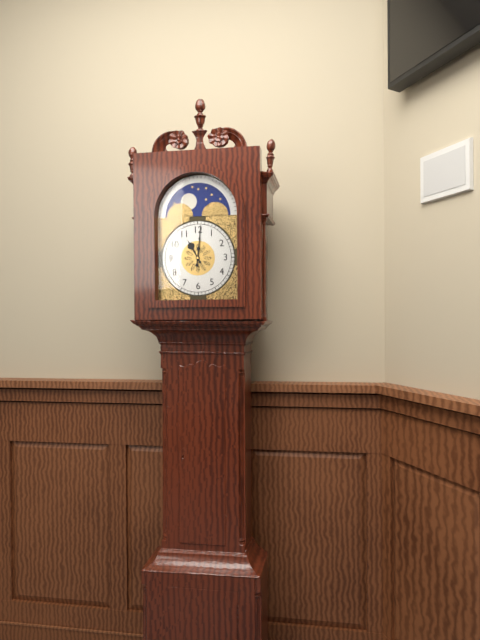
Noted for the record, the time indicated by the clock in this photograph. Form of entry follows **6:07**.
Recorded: **11:01**
